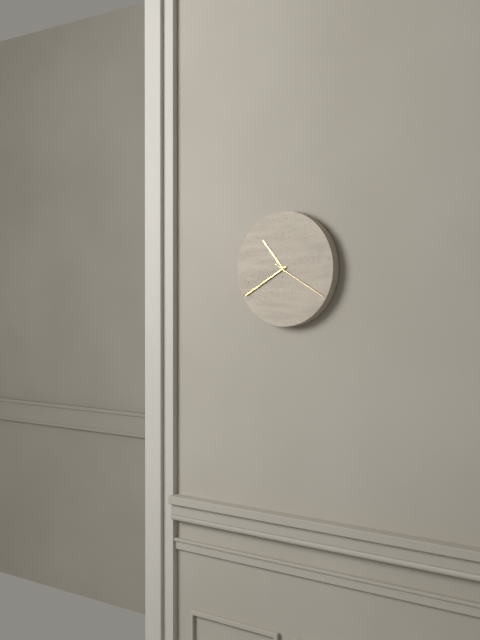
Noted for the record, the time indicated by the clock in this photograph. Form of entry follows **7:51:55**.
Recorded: **10:40:20**
